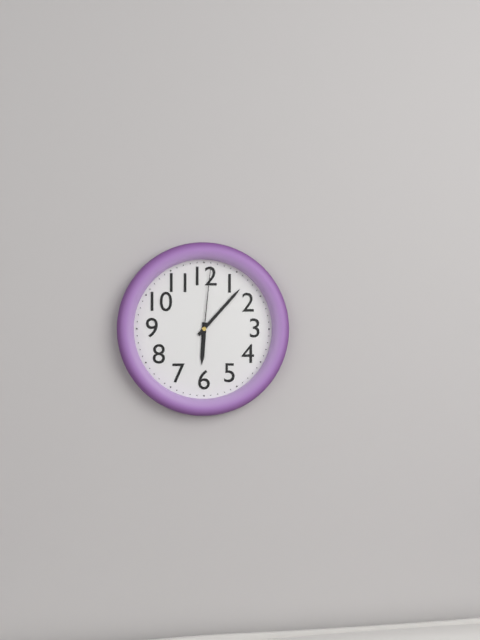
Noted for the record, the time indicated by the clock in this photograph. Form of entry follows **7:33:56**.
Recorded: **6:07:01**
